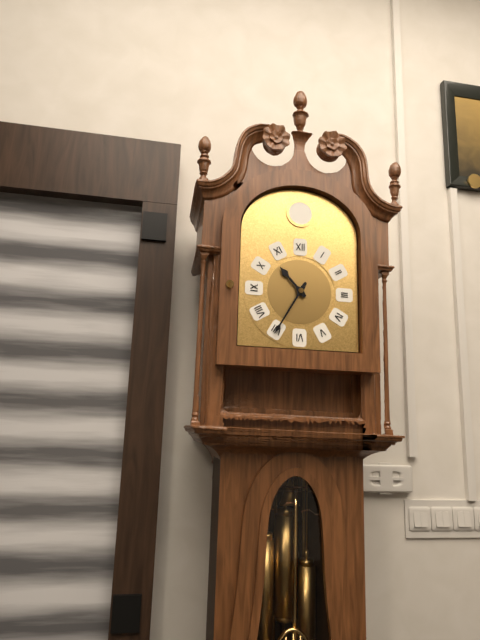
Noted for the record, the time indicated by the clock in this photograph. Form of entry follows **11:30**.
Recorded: **10:35**
